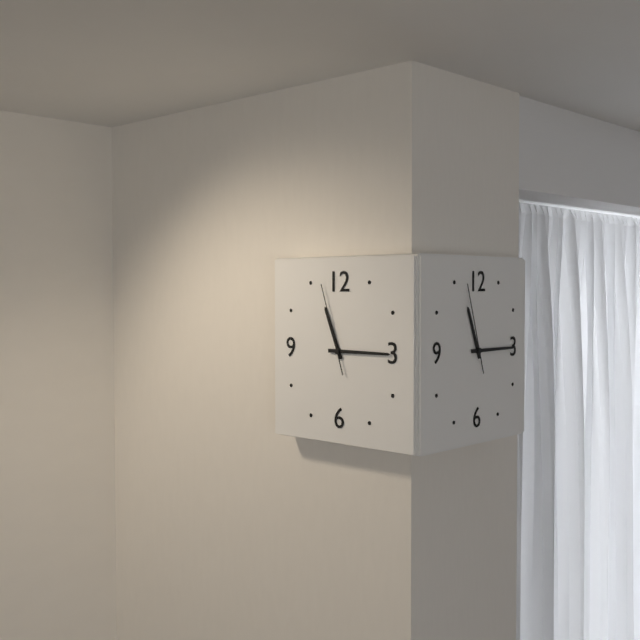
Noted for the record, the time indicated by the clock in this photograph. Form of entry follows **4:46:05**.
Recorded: **11:15:57**
